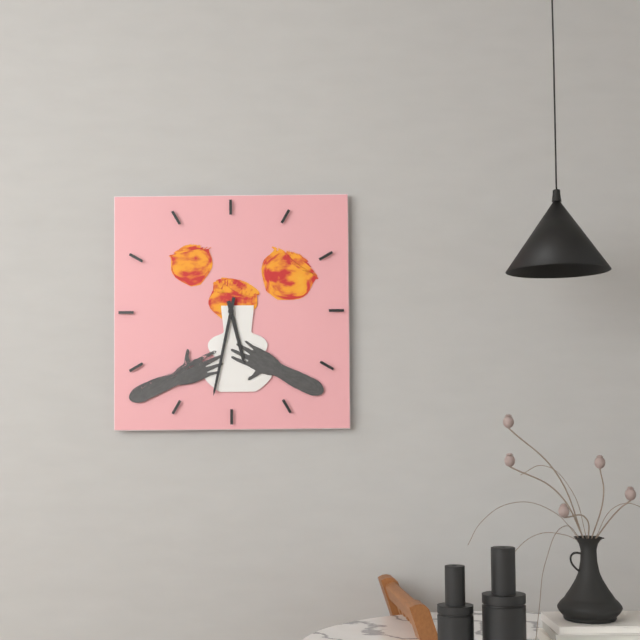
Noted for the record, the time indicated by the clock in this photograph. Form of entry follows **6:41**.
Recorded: **5:32**
